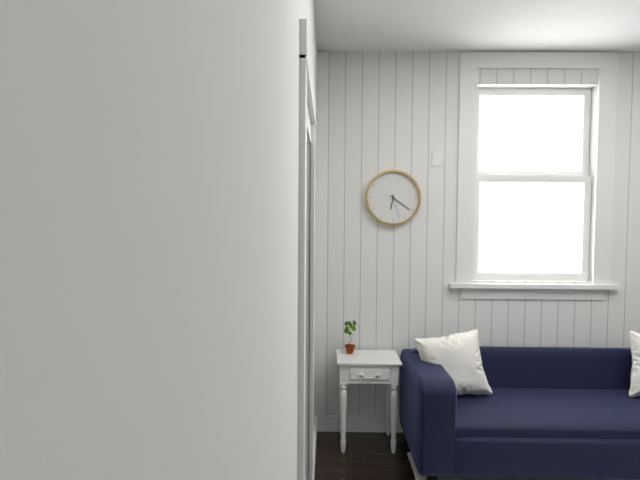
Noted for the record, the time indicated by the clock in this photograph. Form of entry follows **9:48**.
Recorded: **6:21**
